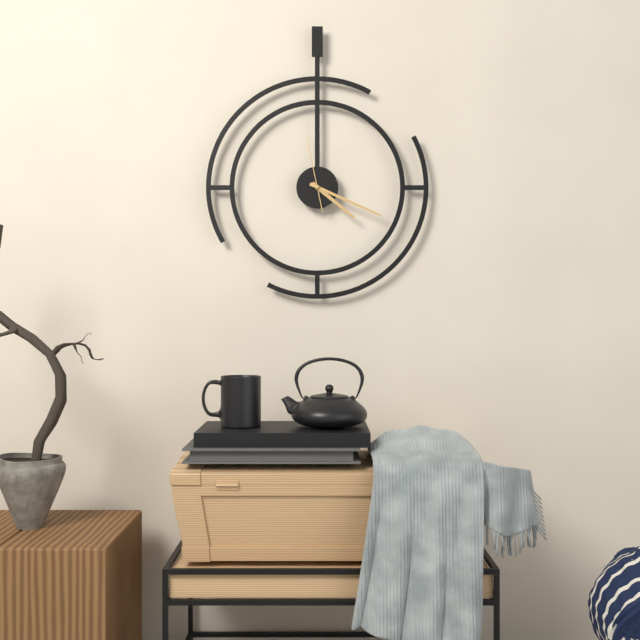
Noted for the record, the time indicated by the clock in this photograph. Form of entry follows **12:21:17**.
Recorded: **4:19:58**
